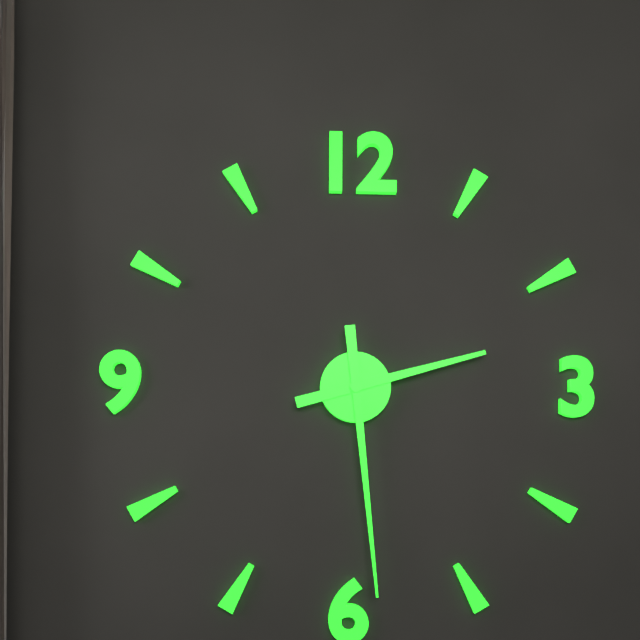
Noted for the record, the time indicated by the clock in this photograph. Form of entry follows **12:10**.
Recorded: **2:29**
